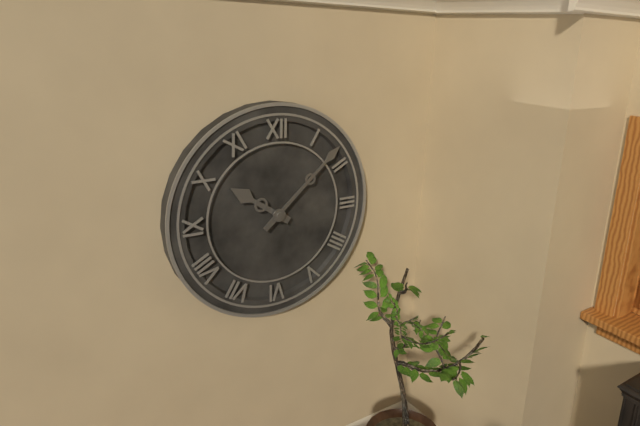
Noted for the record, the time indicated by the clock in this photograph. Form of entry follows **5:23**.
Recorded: **10:08**
